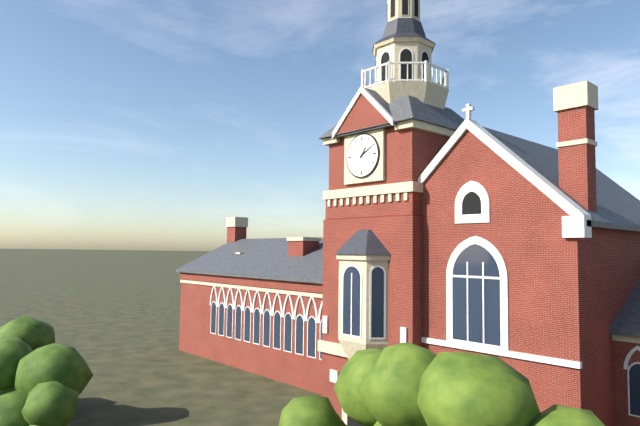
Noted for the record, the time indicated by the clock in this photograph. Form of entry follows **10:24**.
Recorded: **1:10**
